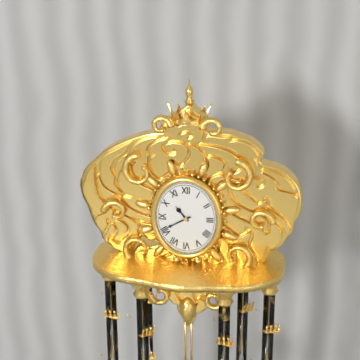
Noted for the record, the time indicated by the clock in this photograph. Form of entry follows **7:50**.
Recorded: **10:40**
